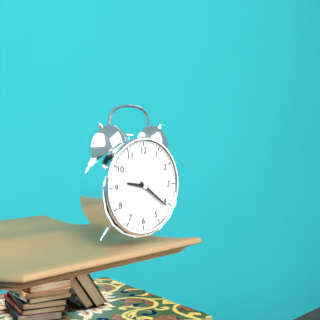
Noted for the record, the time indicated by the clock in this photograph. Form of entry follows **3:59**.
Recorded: **9:21**
